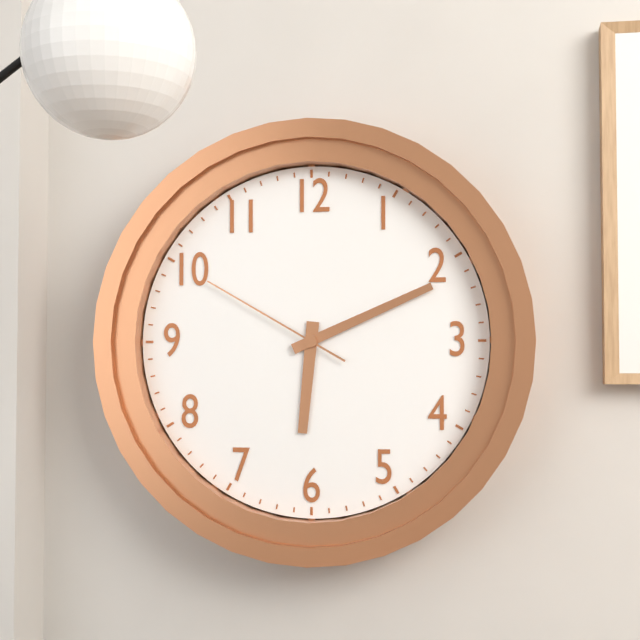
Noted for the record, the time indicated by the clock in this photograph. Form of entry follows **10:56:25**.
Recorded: **6:11:50**
